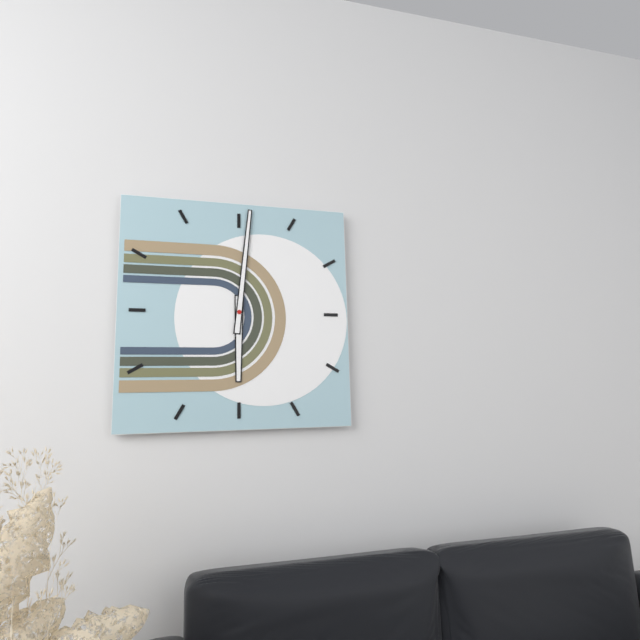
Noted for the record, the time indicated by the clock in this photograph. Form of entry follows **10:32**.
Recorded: **6:01**
